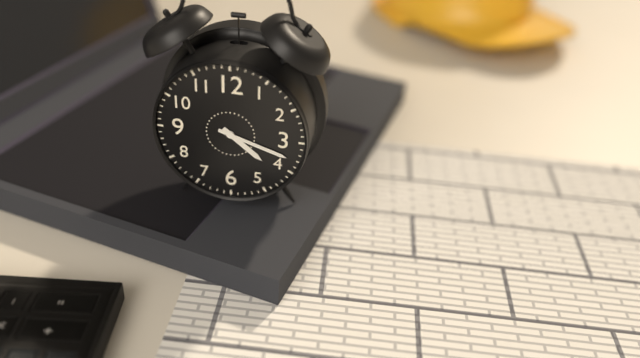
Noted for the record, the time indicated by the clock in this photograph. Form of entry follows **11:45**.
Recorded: **4:18**
